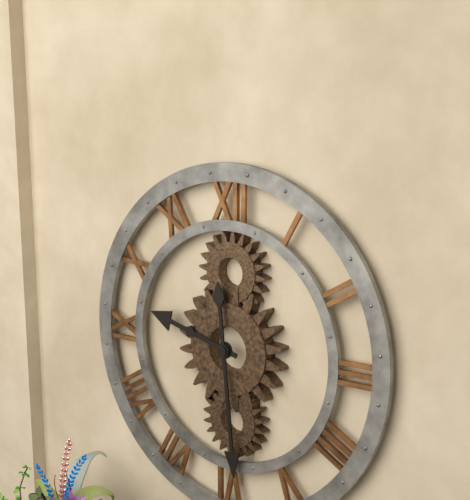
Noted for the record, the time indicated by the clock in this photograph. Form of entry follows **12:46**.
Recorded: **9:29**
